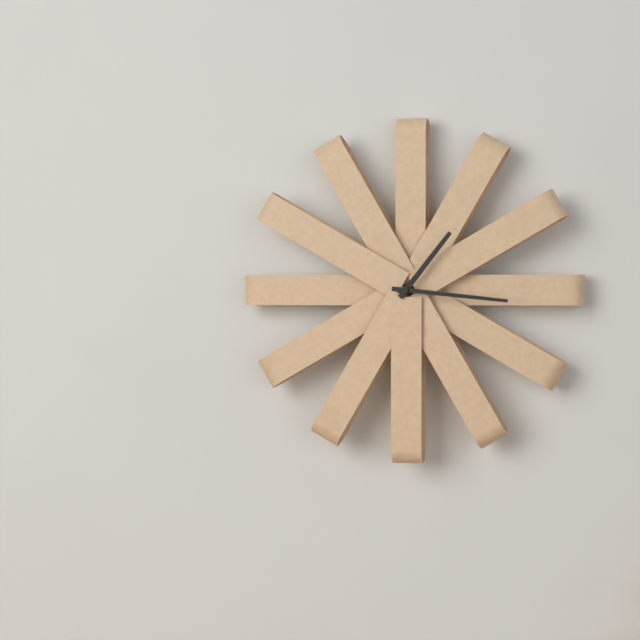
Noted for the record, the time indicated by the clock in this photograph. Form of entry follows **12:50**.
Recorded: **1:16**
